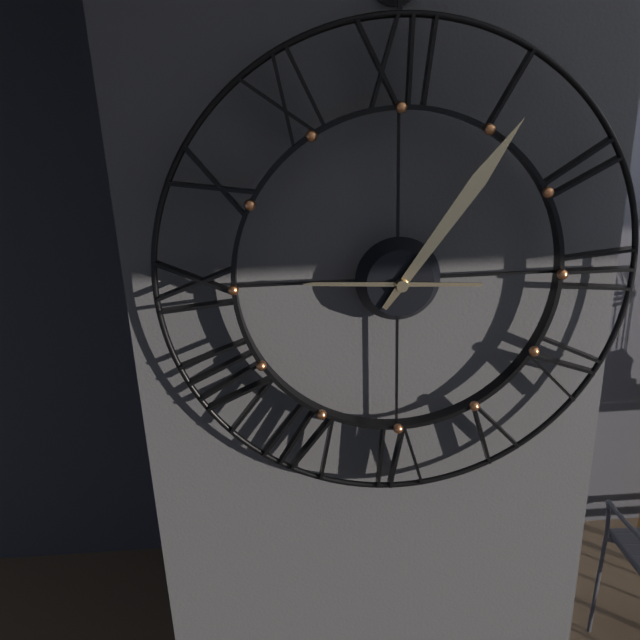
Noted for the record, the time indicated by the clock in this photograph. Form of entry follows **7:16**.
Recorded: **9:06**
